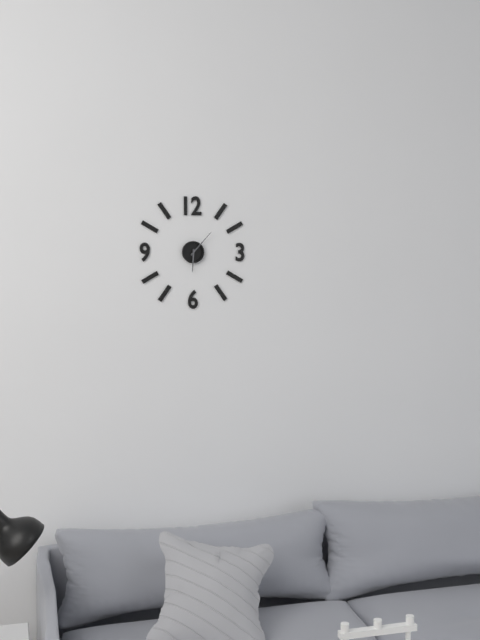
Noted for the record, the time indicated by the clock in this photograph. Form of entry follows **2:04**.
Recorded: **6:07**
